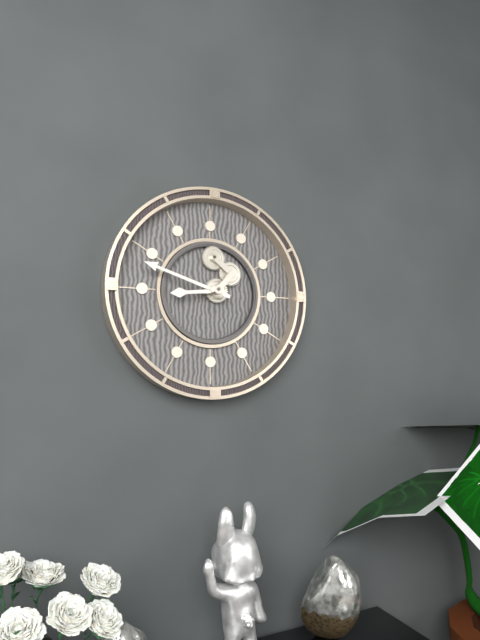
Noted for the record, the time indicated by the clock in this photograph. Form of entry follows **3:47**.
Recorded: **8:48**
